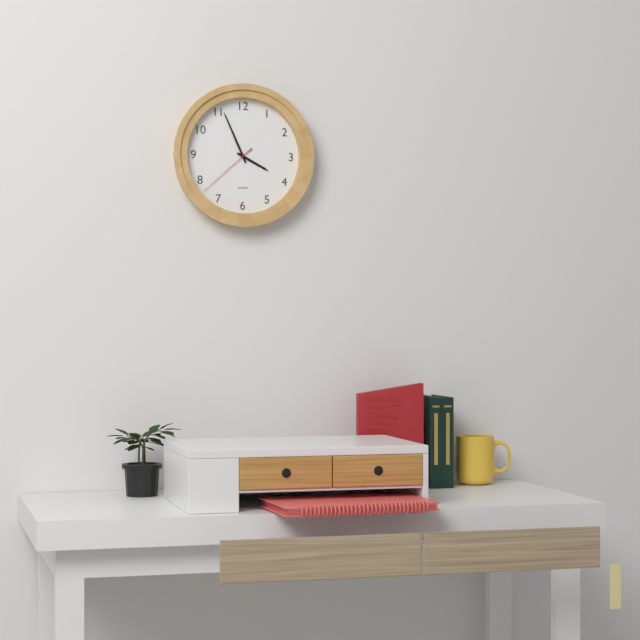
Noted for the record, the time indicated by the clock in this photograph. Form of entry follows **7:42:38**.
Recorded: **3:56:38**
